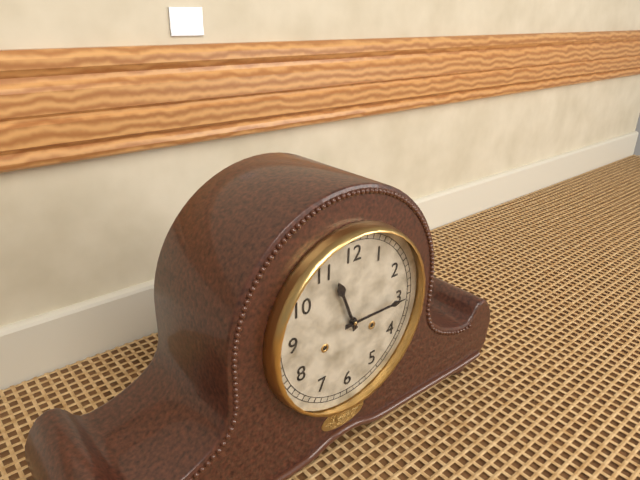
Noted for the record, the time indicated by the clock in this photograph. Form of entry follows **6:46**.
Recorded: **11:15**
